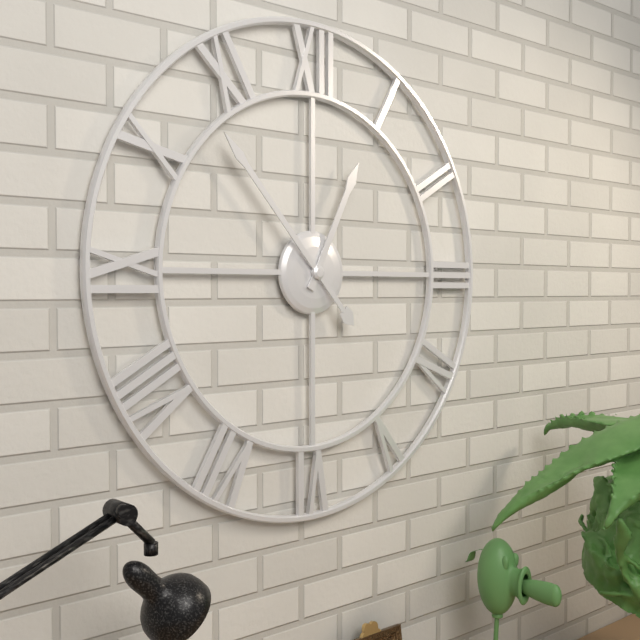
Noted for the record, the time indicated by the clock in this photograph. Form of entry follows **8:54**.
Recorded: **12:53**
